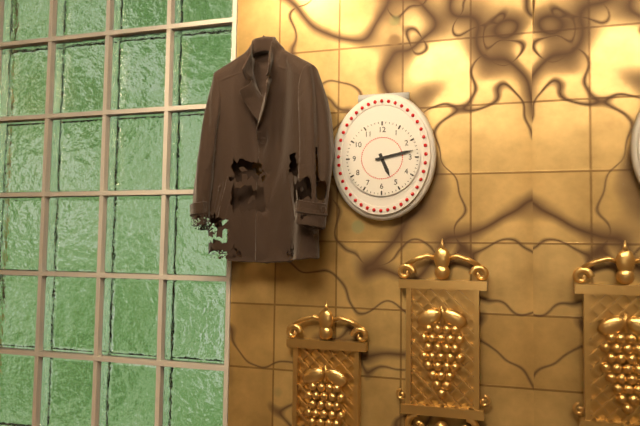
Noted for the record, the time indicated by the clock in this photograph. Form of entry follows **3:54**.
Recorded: **5:13**
